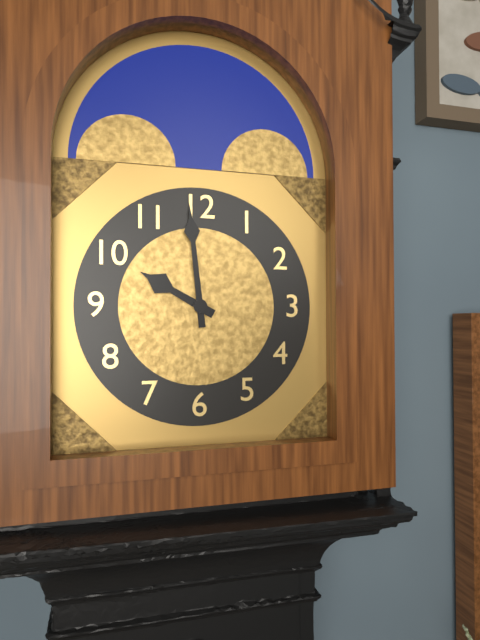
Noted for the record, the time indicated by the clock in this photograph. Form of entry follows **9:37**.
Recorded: **9:59**
